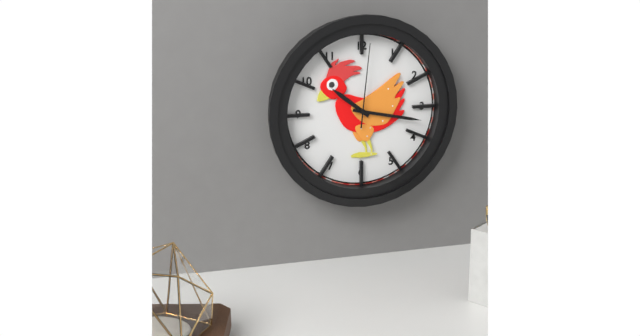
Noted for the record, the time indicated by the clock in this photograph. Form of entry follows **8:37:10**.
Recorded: **10:17:01**
